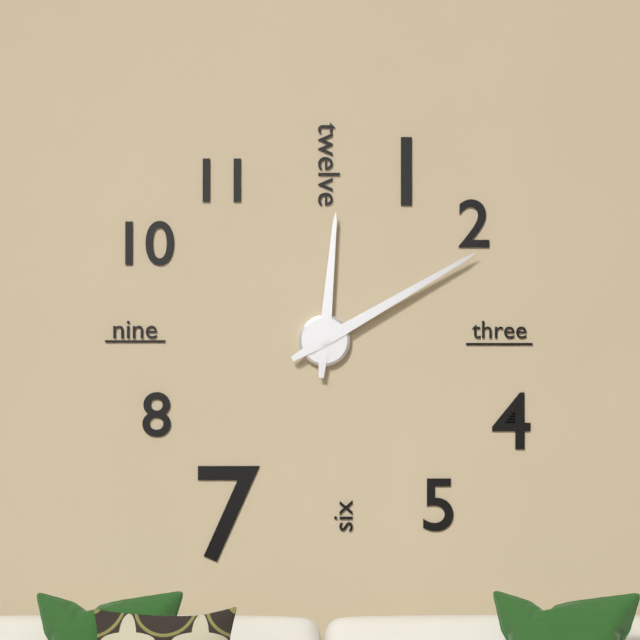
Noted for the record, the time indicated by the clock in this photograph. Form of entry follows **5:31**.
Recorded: **12:10**
